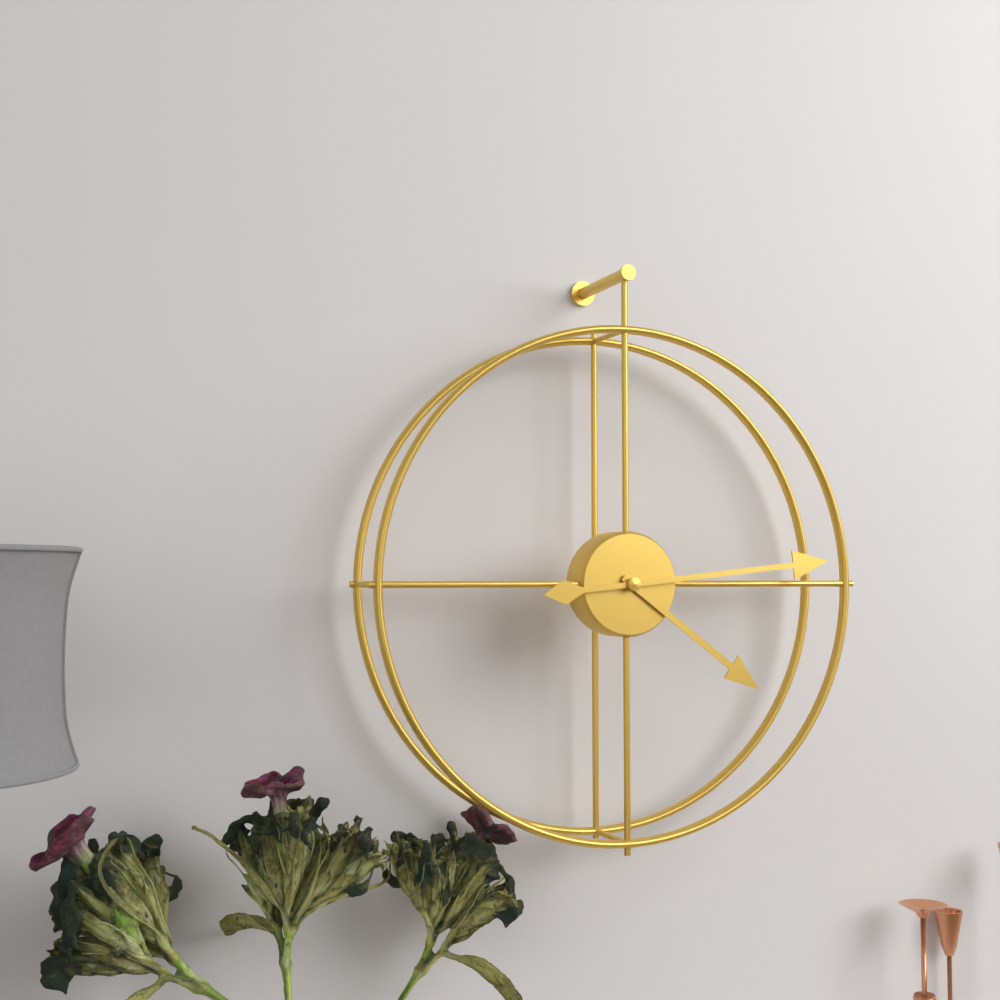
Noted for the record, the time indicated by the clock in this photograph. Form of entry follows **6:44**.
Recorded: **4:14**
